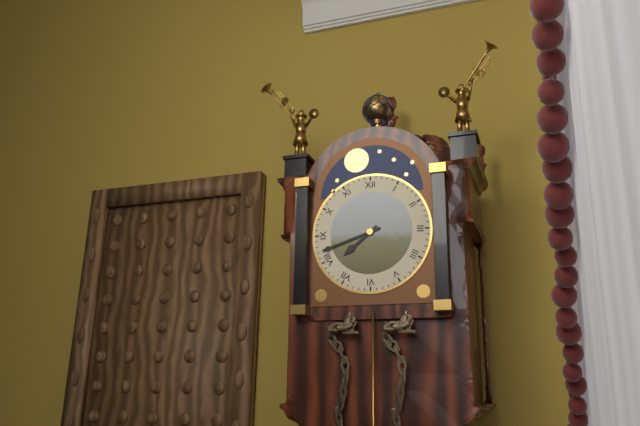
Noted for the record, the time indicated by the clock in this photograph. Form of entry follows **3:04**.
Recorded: **7:42**
